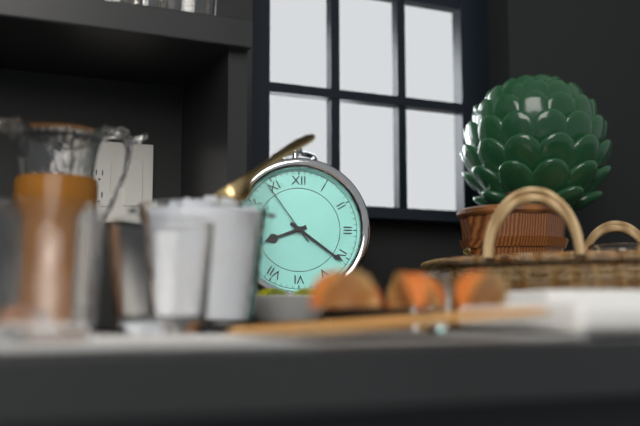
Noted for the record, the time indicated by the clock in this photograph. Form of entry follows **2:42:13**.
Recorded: **8:21:54**
